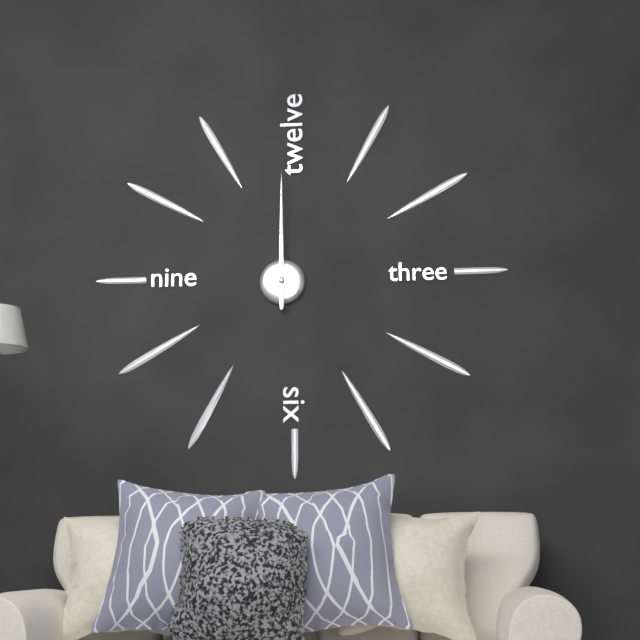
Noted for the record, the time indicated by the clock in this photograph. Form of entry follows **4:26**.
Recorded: **12:00**
